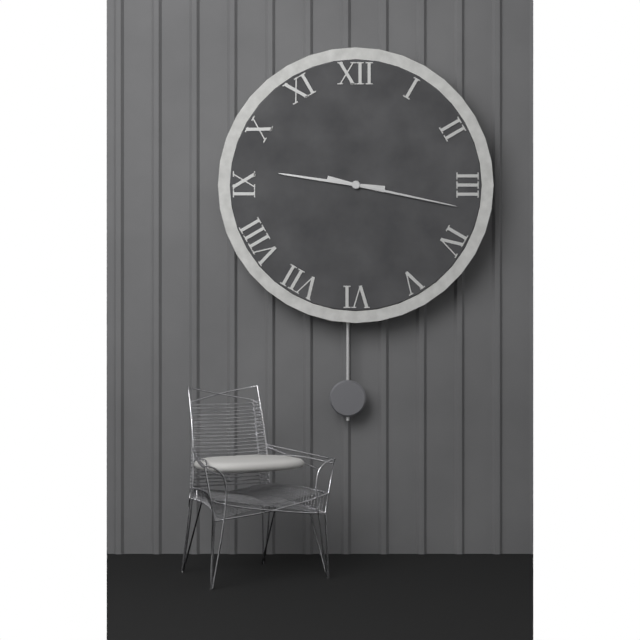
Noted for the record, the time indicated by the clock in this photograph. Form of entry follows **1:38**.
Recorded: **9:17**
